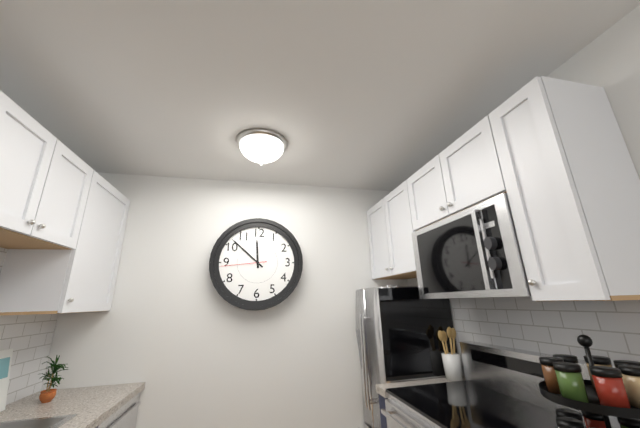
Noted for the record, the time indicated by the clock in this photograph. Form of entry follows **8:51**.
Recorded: **11:52**
